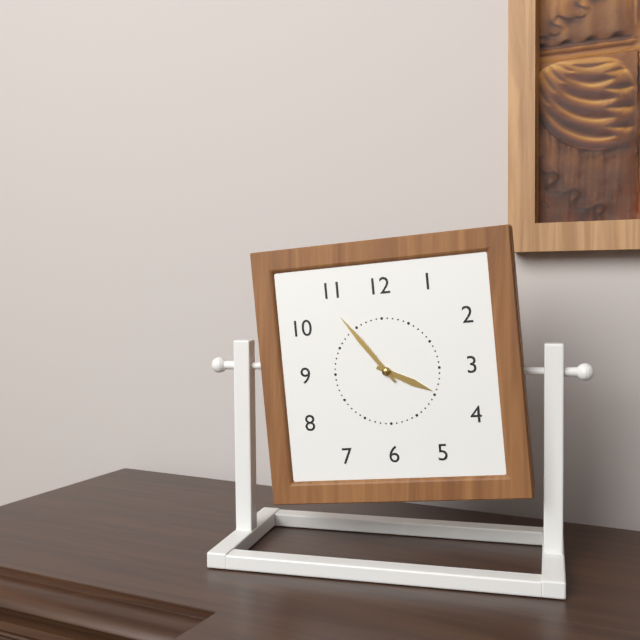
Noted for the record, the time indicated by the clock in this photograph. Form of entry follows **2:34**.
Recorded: **3:54**
